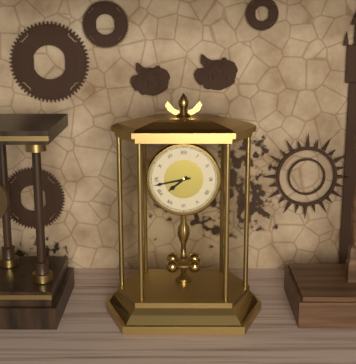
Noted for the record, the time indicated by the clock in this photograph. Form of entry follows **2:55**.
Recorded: **7:43**
